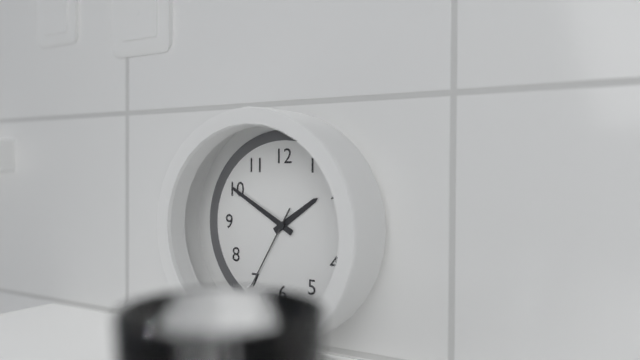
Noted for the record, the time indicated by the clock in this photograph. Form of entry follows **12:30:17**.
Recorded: **1:50:35**
